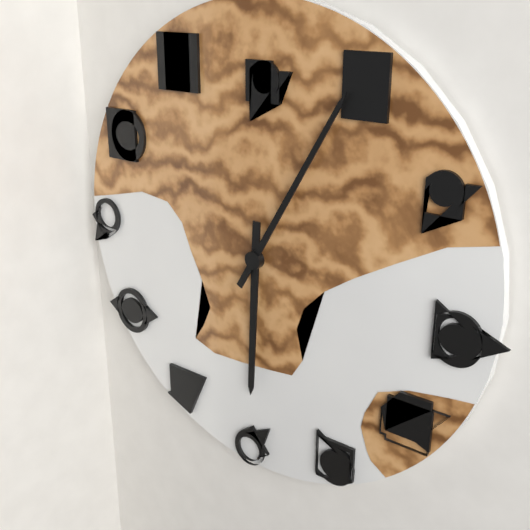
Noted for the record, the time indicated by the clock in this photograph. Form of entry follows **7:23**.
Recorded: **6:05**
